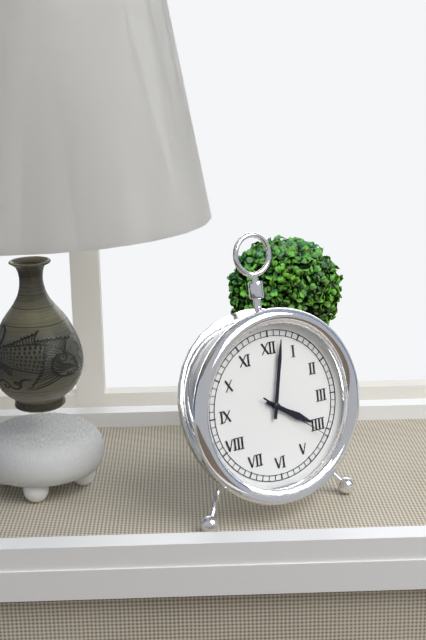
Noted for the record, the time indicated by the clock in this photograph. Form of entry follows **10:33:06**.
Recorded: **4:02:21**
